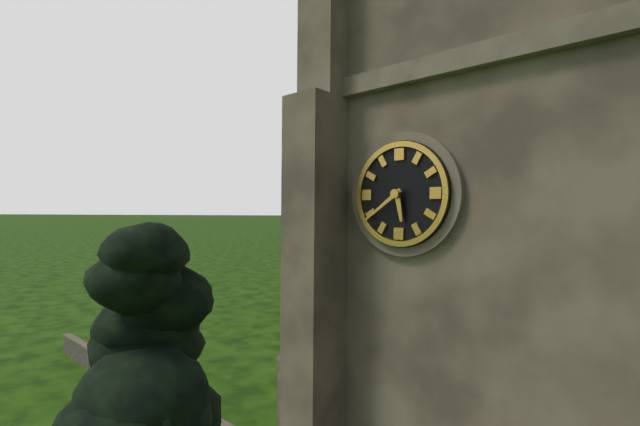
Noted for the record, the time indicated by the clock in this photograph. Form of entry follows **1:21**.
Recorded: **5:39**
